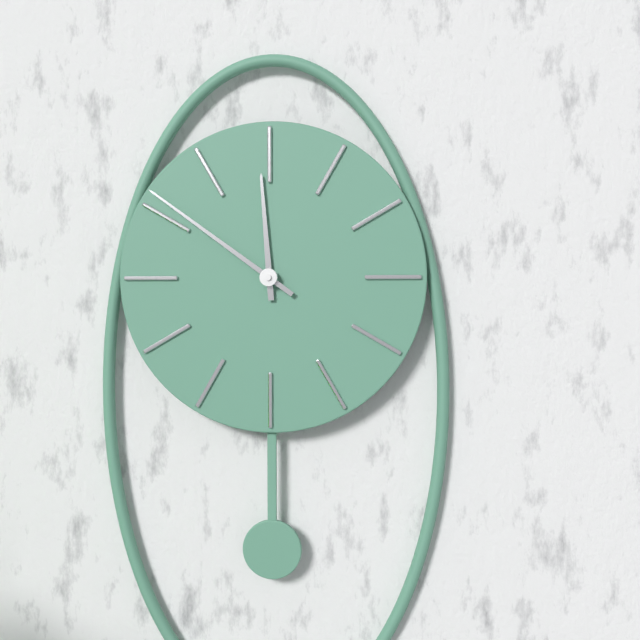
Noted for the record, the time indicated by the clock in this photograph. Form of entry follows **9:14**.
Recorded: **11:51**
